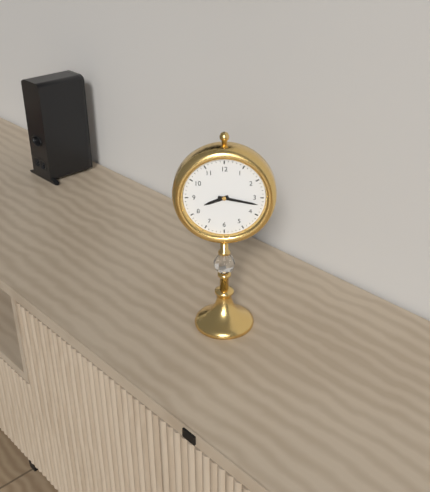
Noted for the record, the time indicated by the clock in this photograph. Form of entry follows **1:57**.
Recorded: **8:17**
